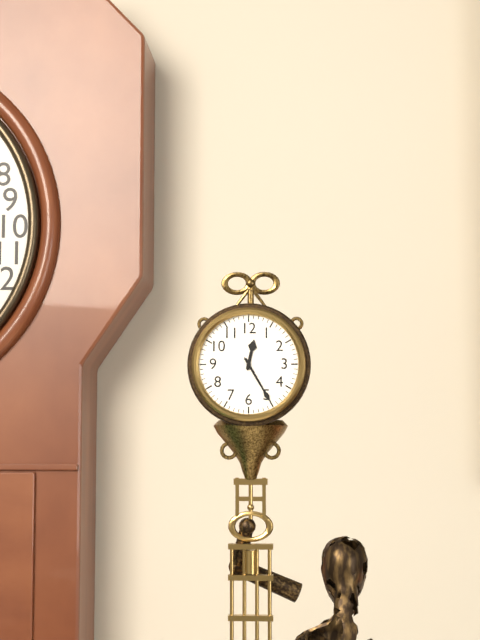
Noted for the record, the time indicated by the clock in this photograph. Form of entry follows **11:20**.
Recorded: **12:25**
